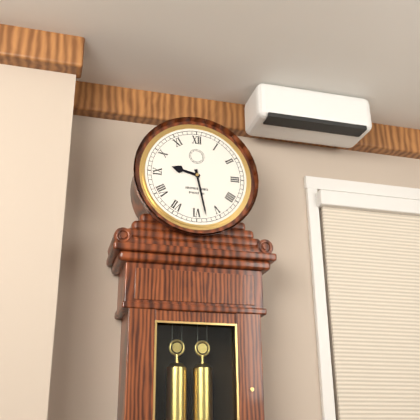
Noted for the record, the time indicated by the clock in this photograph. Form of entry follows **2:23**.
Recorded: **9:28**
